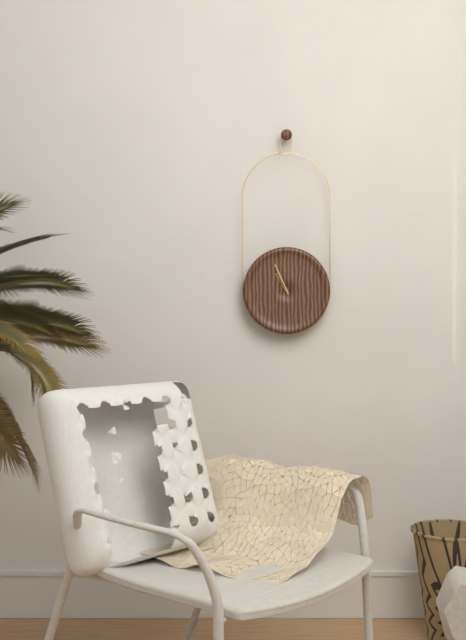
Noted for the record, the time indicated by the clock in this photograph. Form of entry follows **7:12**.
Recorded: **10:56**
